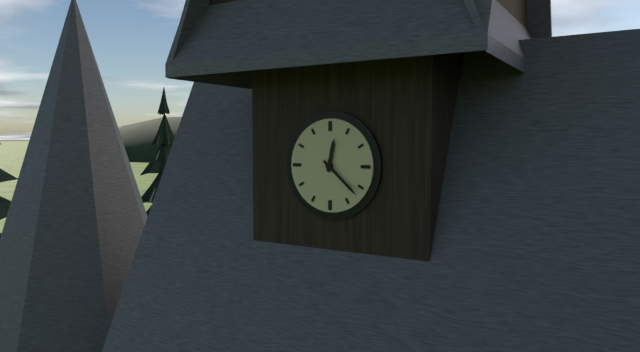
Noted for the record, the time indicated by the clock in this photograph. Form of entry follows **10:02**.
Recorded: **12:22**
